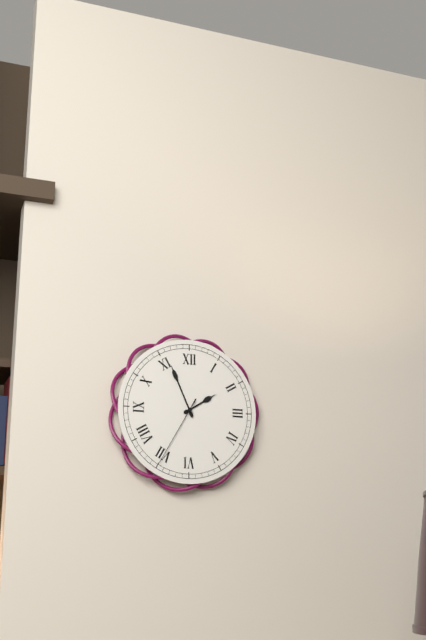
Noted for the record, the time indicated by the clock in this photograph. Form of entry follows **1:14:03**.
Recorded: **1:56:35**
